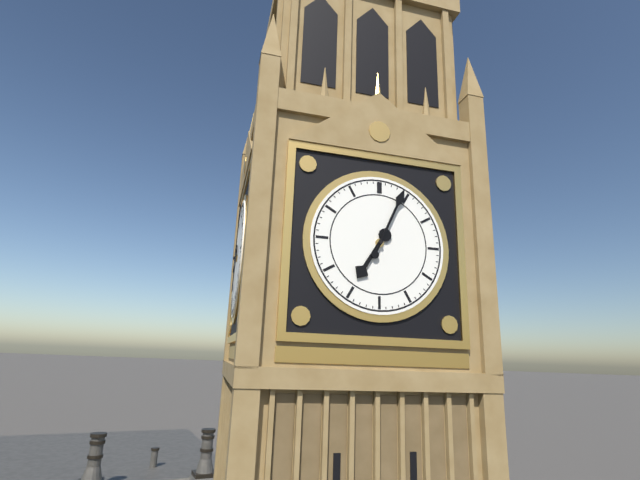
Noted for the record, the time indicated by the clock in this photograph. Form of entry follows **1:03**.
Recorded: **7:04**
